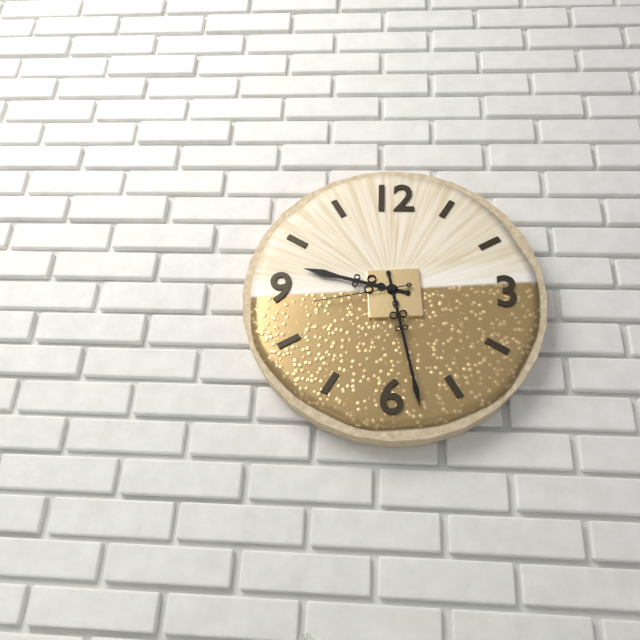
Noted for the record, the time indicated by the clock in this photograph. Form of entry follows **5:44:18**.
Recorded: **9:28:43**
